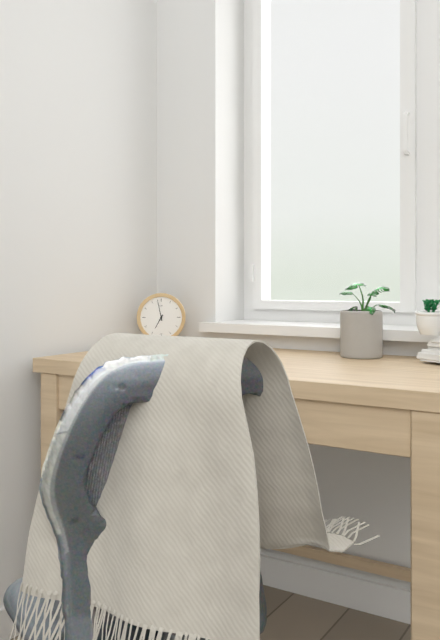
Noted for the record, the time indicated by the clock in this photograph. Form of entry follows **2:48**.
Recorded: **6:58**
